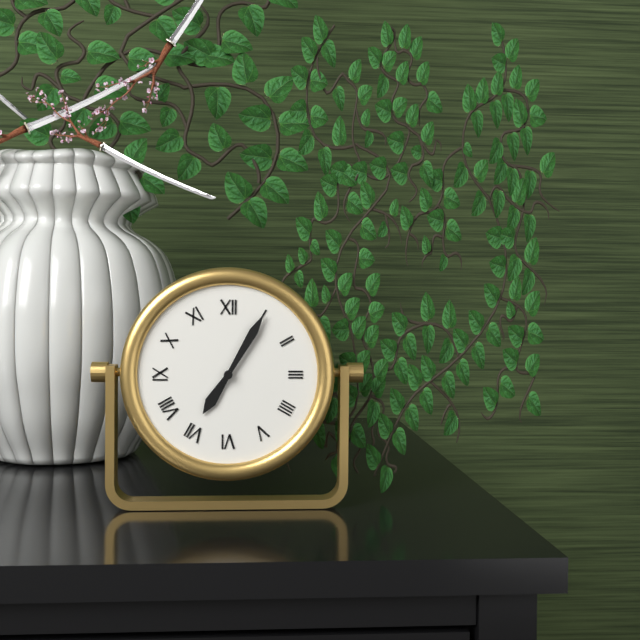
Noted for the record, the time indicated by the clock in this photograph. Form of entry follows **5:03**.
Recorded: **7:05**
